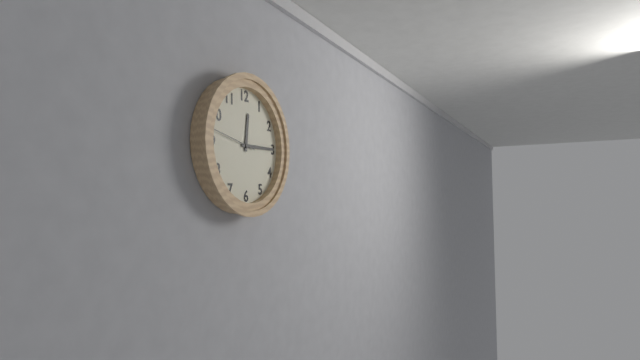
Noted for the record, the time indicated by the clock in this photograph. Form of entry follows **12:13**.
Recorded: **12:15**
